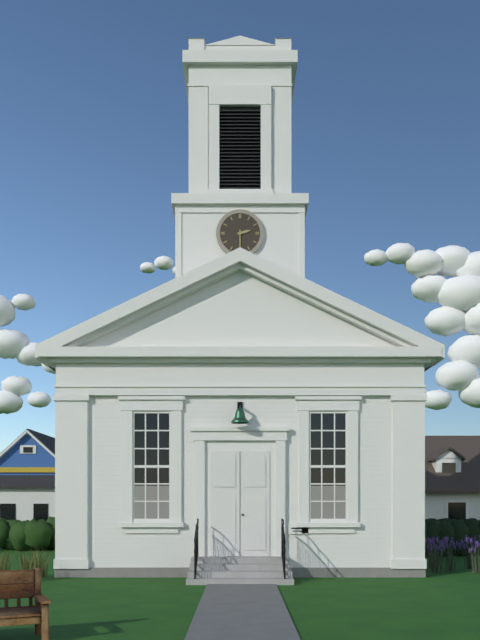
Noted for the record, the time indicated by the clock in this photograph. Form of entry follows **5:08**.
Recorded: **2:30**
